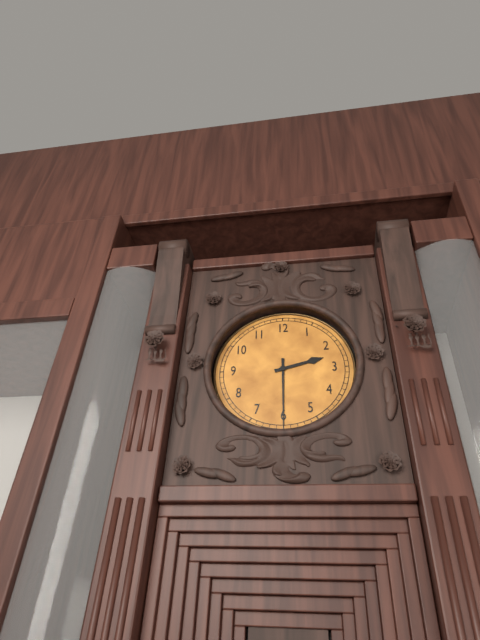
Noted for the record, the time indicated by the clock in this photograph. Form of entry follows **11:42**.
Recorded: **2:30**
